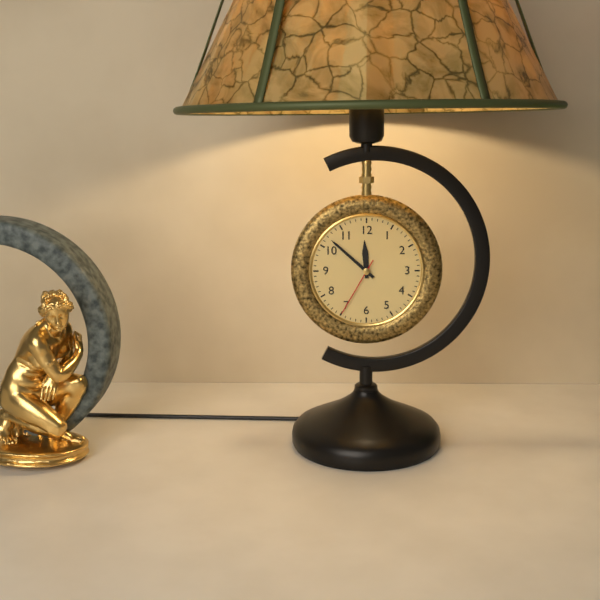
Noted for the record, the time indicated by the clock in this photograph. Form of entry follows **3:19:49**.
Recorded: **11:52:35**
